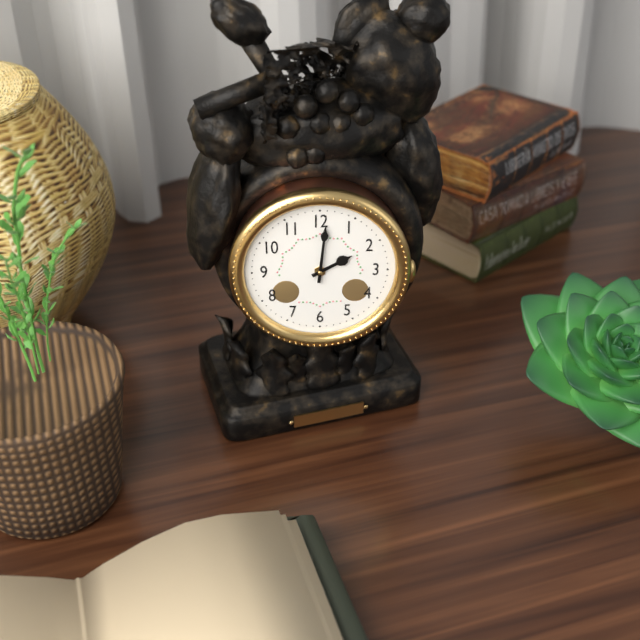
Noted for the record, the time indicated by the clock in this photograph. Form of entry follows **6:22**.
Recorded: **2:01**
